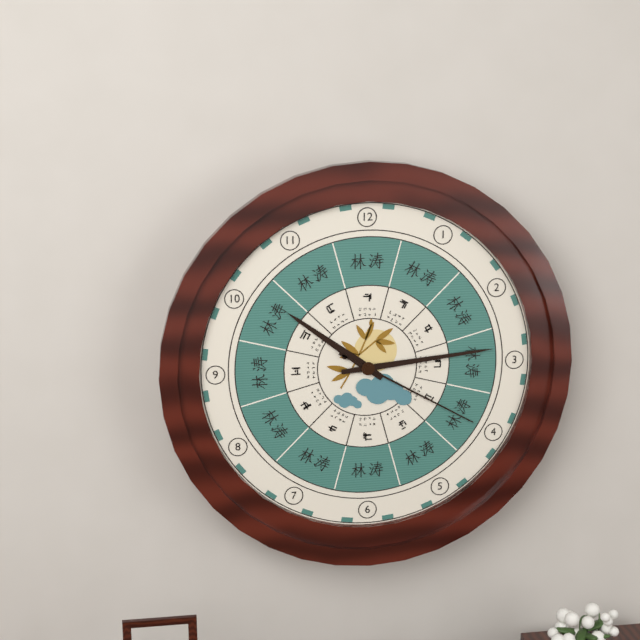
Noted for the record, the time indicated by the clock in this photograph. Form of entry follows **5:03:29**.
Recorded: **10:14:20**
